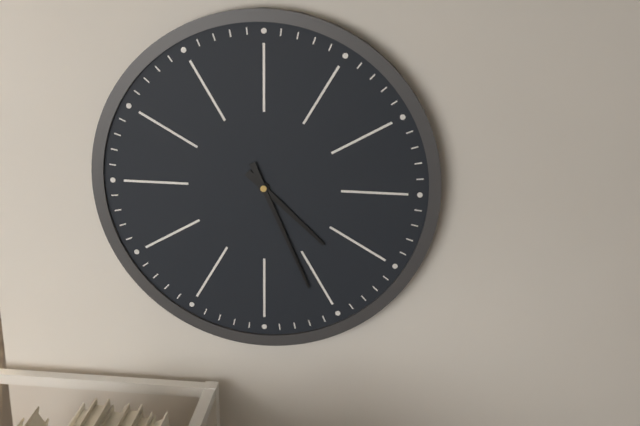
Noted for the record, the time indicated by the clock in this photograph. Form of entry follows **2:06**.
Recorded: **4:26**
